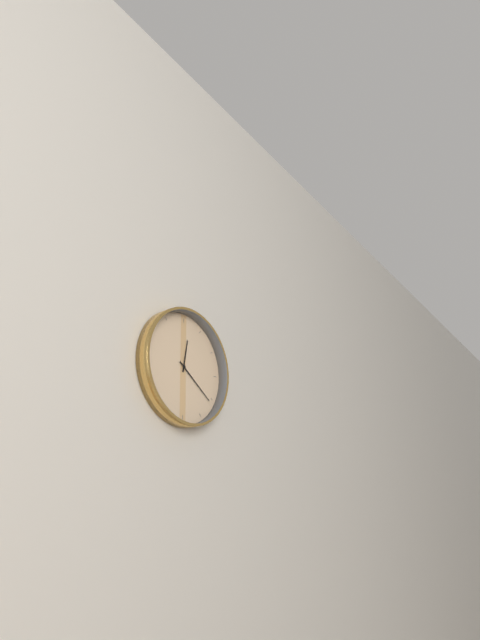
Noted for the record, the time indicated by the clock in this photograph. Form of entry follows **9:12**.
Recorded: **12:21**
